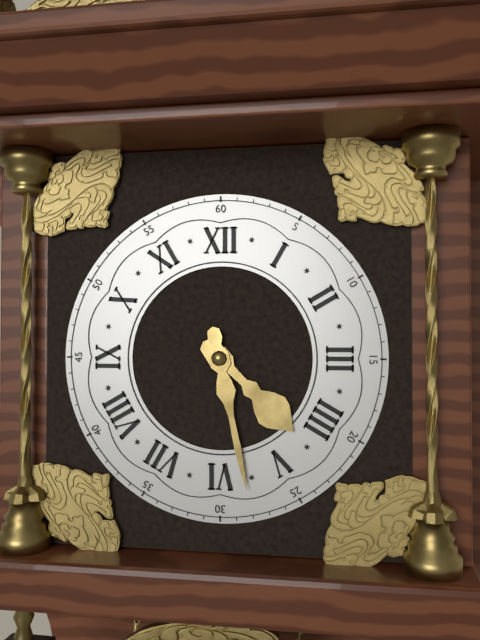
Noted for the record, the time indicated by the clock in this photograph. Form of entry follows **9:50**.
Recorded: **4:28**
